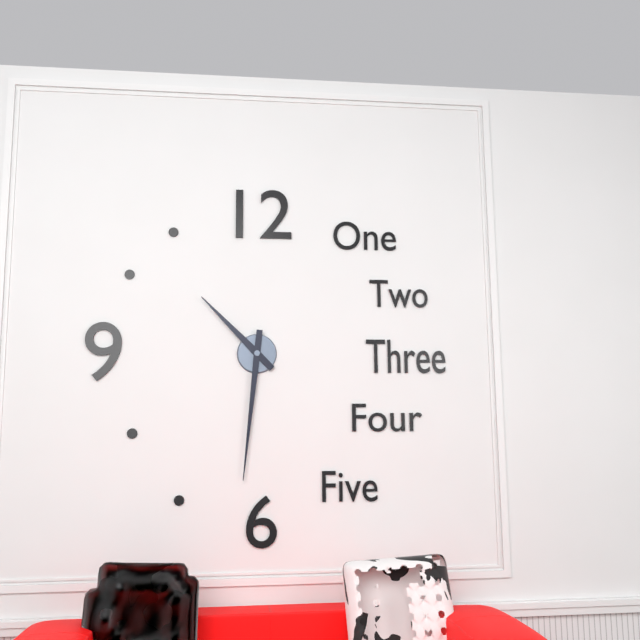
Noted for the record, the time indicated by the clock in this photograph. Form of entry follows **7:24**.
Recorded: **10:31**
